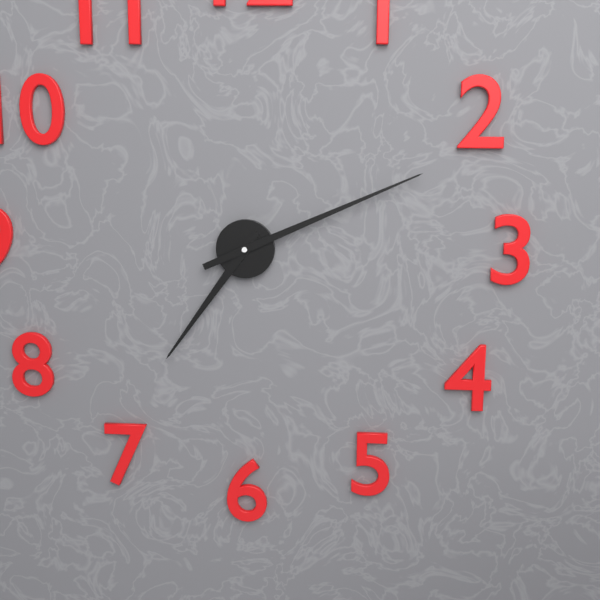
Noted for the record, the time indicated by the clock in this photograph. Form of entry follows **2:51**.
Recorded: **7:11**
